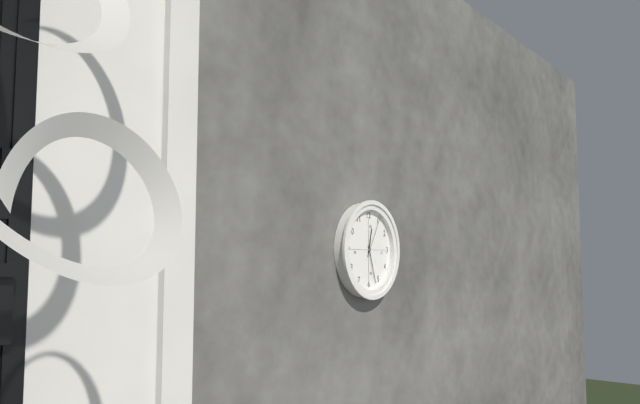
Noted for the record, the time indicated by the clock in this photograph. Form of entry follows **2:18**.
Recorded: **12:27**
